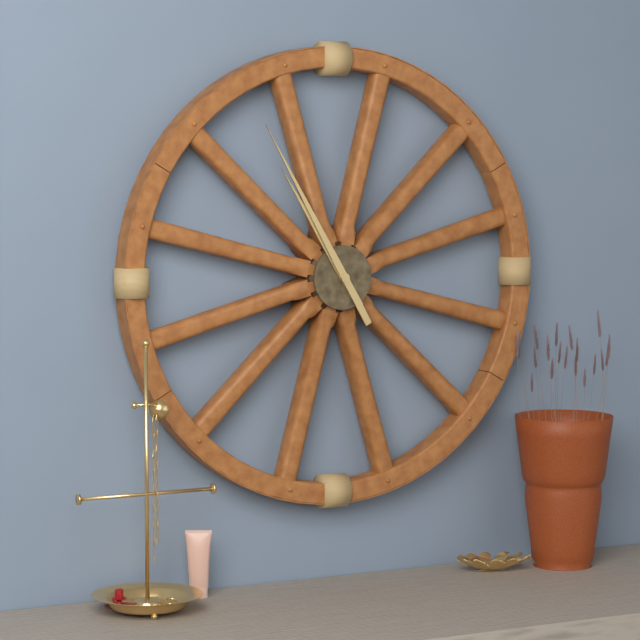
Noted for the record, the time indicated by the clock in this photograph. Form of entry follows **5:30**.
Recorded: **10:55**
